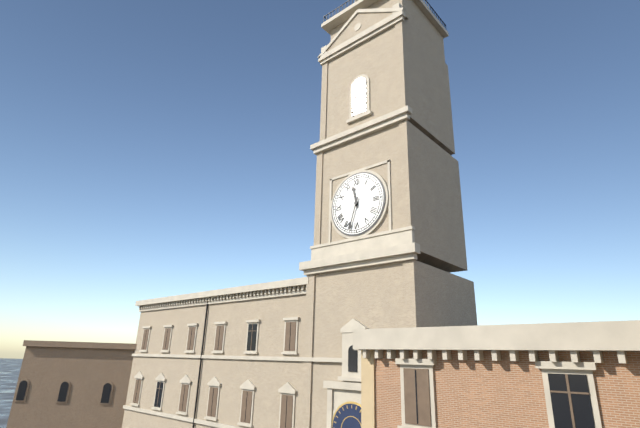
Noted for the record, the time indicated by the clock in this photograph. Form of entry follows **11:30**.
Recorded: **11:33**
